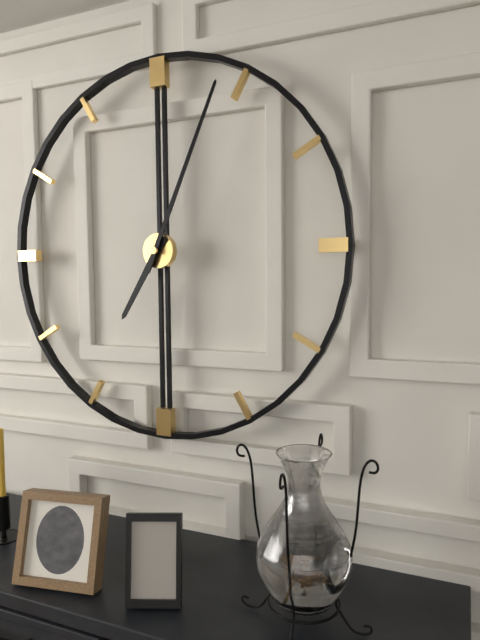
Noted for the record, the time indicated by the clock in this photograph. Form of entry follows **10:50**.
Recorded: **7:04**
